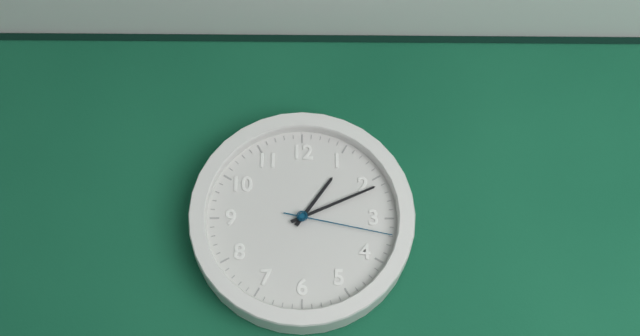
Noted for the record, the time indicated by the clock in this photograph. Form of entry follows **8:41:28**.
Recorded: **1:11:17**
